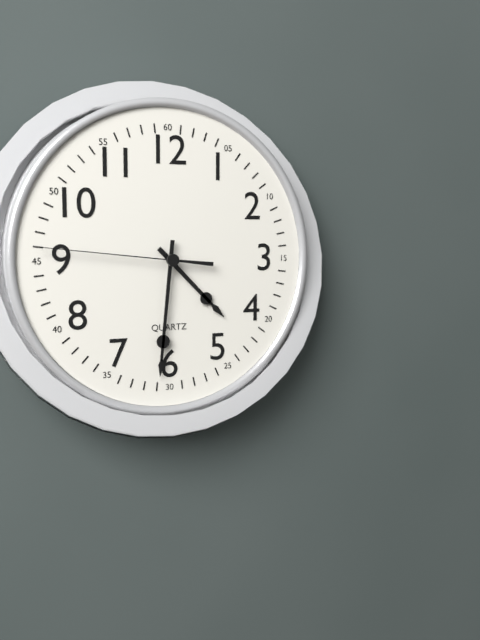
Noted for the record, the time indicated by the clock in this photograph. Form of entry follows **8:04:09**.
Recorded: **4:31:46**
